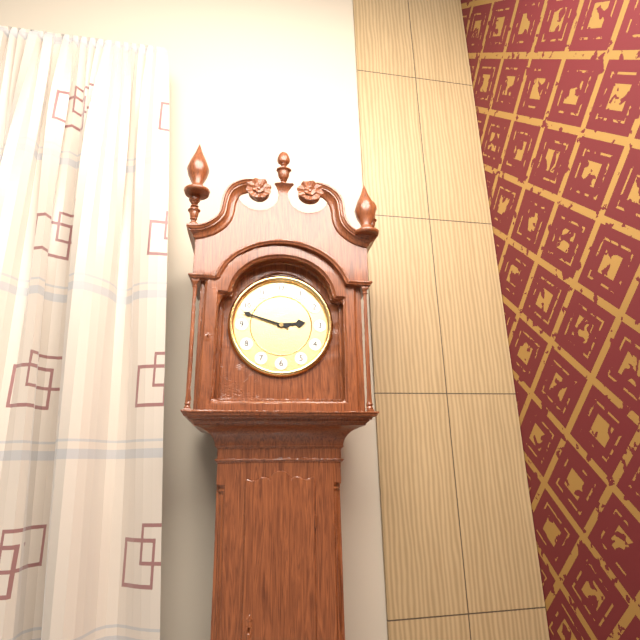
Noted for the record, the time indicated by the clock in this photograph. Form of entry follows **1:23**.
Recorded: **2:48**
